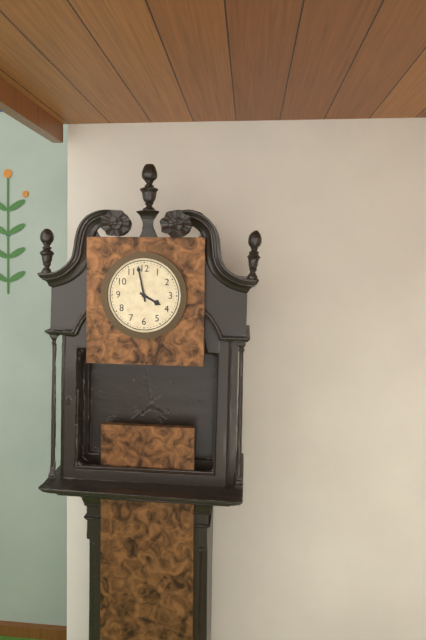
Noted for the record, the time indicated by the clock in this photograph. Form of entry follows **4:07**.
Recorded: **3:58**
